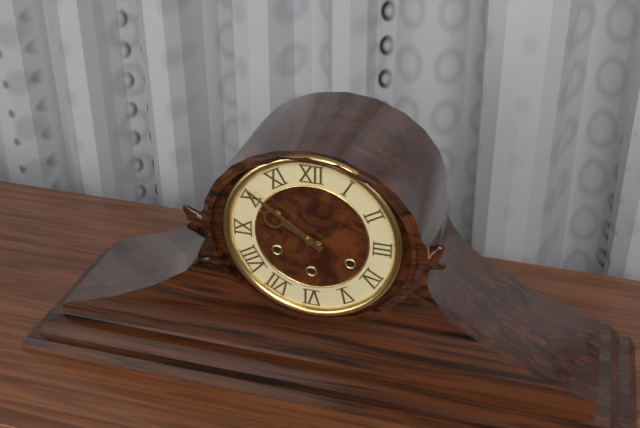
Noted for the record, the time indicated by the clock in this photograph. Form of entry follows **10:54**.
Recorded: **9:51**
